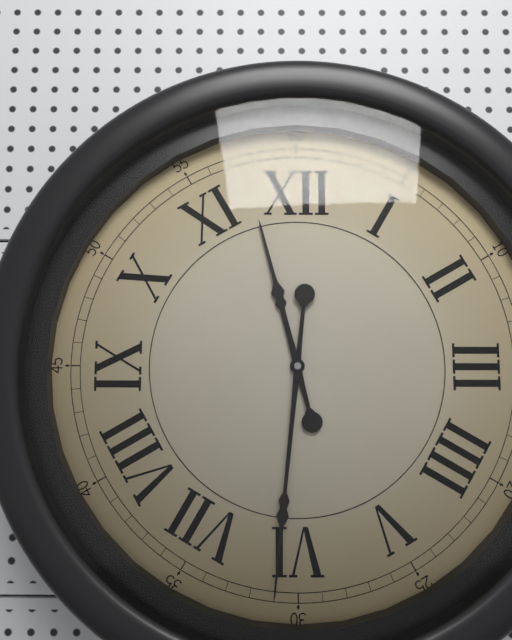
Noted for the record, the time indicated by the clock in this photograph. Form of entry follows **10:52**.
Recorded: **11:31**
